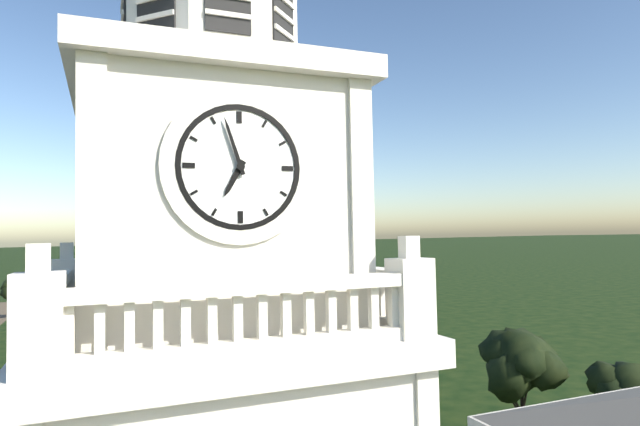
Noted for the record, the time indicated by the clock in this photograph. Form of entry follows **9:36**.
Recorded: **6:57**
